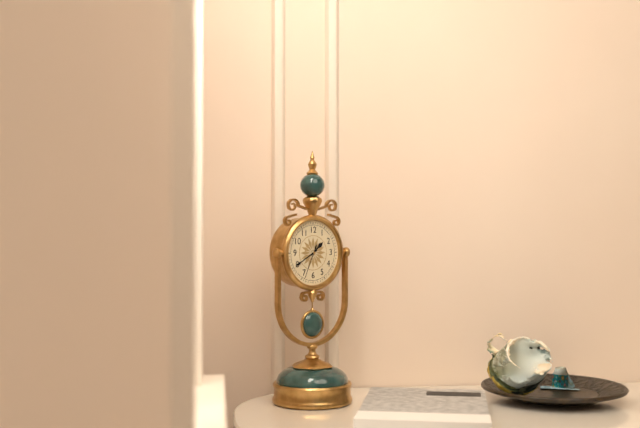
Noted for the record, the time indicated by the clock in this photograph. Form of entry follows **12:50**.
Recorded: **1:40**
